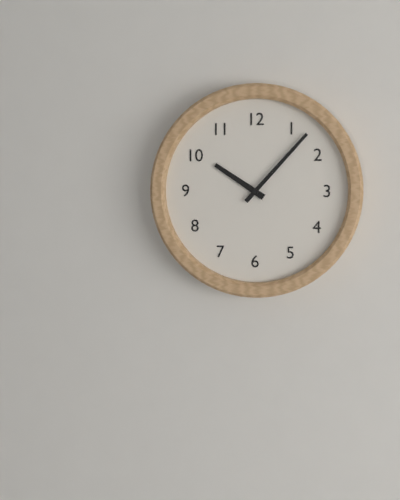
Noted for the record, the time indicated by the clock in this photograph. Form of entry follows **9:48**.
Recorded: **10:07**
